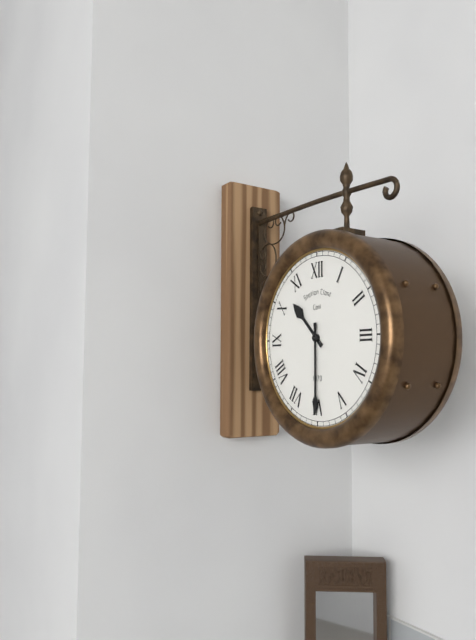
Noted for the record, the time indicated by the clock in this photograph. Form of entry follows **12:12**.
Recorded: **10:30**
